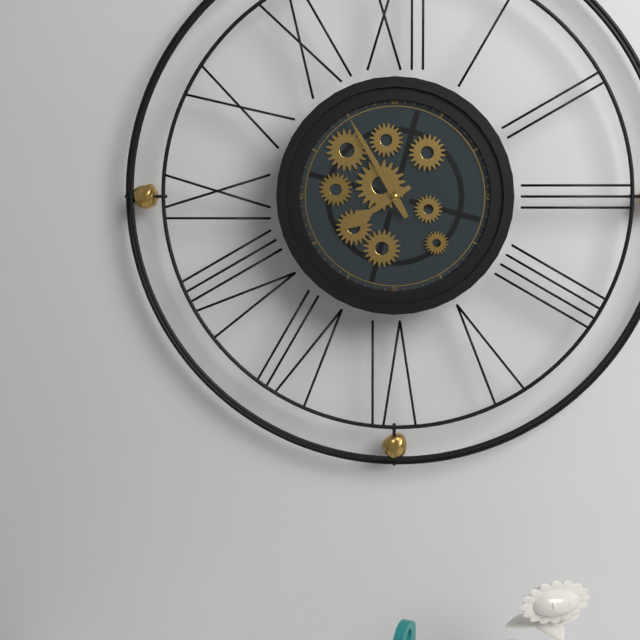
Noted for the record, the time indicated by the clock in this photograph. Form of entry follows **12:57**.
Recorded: **7:55**
